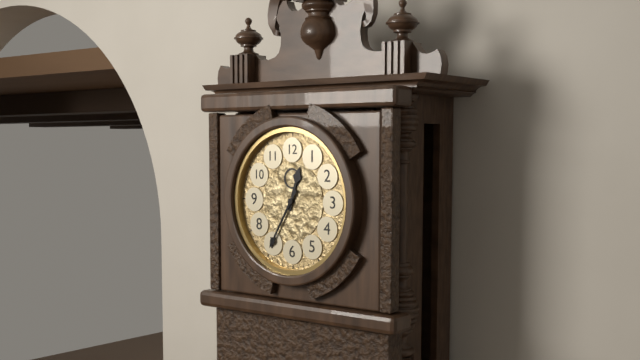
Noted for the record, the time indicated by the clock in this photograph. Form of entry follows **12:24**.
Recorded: **12:35**
